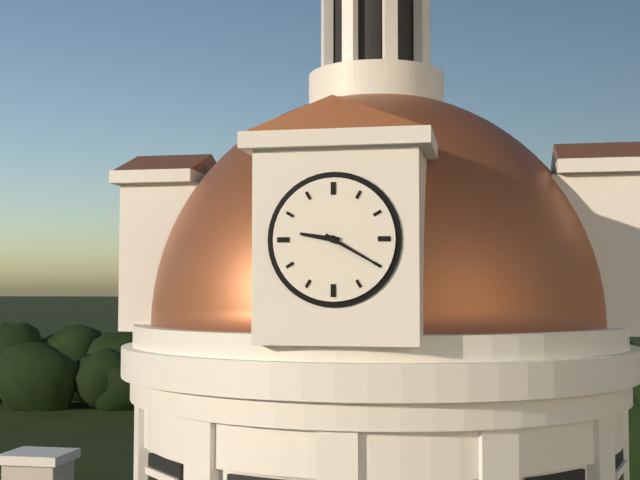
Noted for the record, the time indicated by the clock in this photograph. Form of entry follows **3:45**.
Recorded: **9:20**
